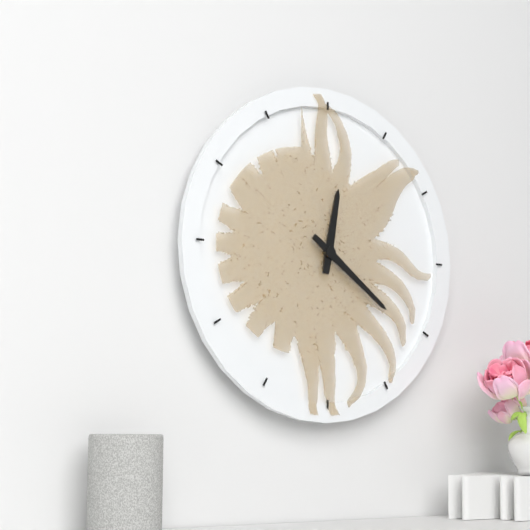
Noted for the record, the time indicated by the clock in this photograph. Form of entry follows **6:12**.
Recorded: **12:21**
